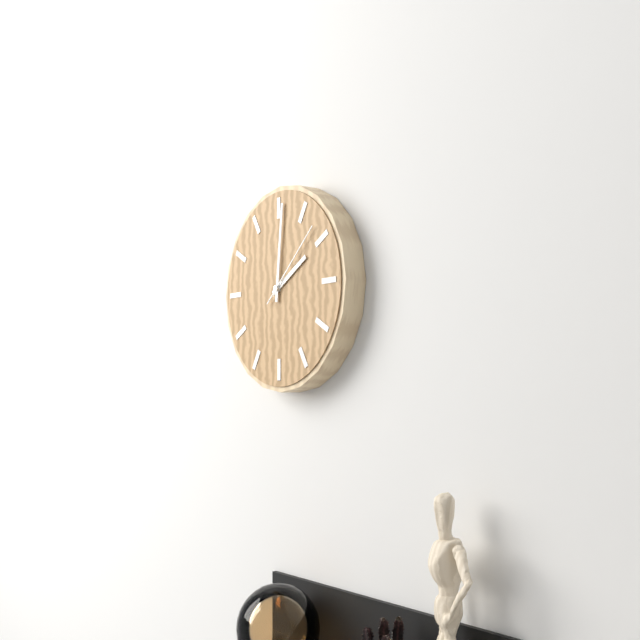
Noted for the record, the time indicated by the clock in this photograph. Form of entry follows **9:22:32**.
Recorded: **2:01:08**
